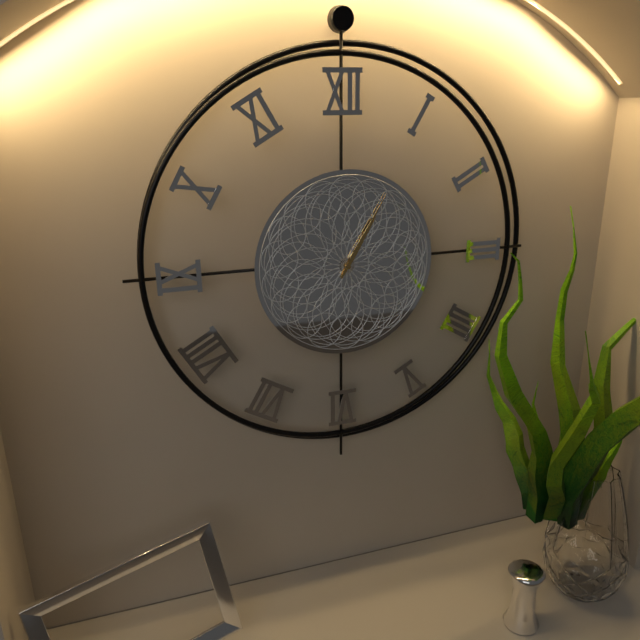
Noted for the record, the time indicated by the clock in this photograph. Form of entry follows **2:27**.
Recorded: **1:05**
